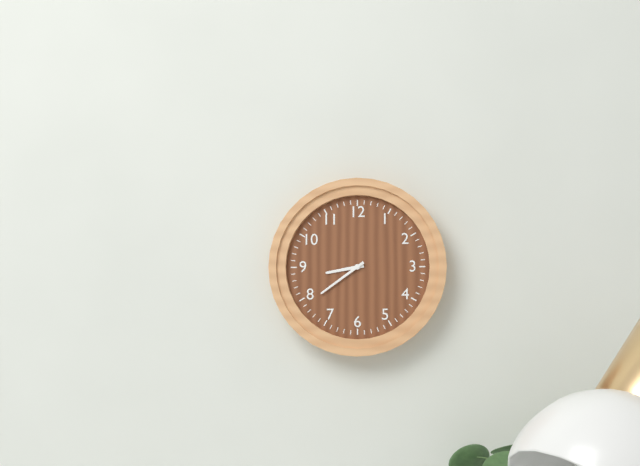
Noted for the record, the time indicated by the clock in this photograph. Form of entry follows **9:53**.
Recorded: **8:39**
